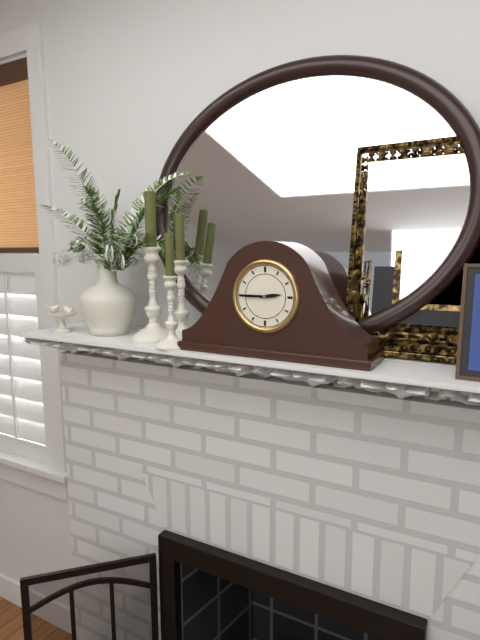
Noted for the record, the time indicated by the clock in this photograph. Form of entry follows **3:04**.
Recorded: **2:45**
